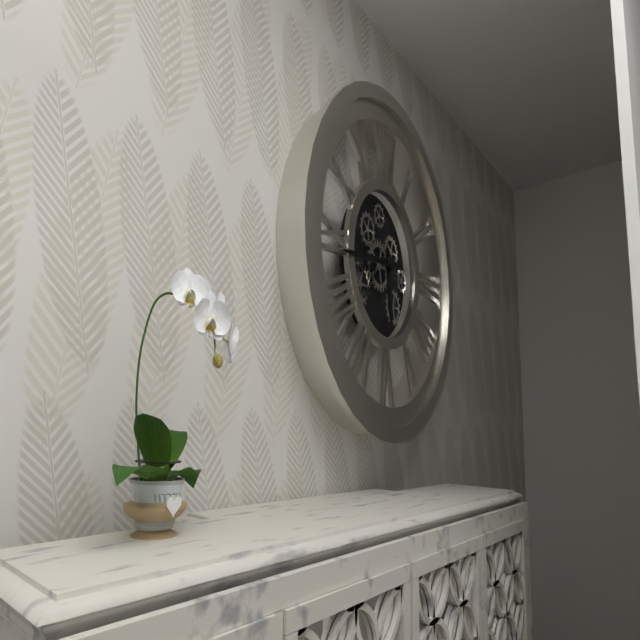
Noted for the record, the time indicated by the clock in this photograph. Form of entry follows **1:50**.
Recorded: **5:44**
